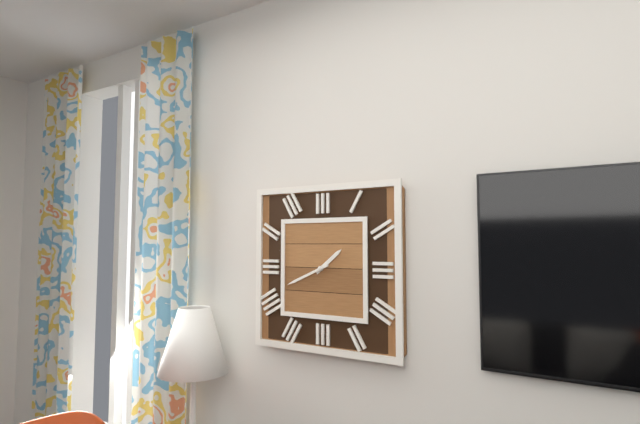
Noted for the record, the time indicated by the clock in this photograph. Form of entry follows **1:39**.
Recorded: **1:41**
